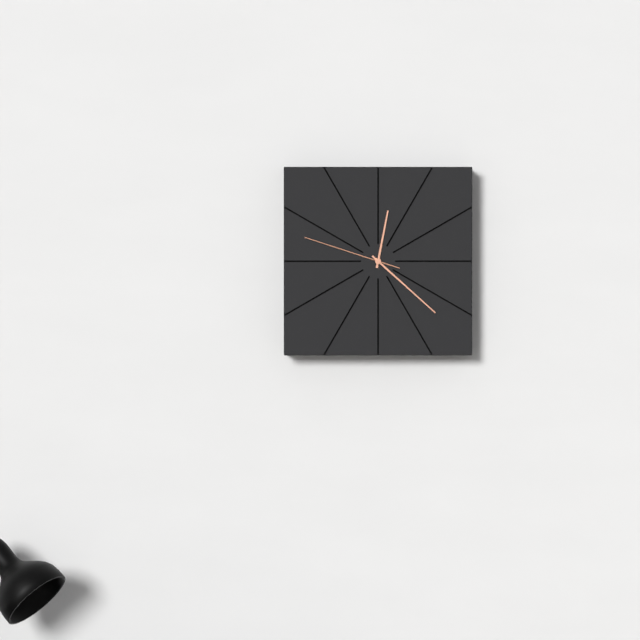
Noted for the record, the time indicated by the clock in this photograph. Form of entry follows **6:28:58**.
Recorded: **12:22:48**
